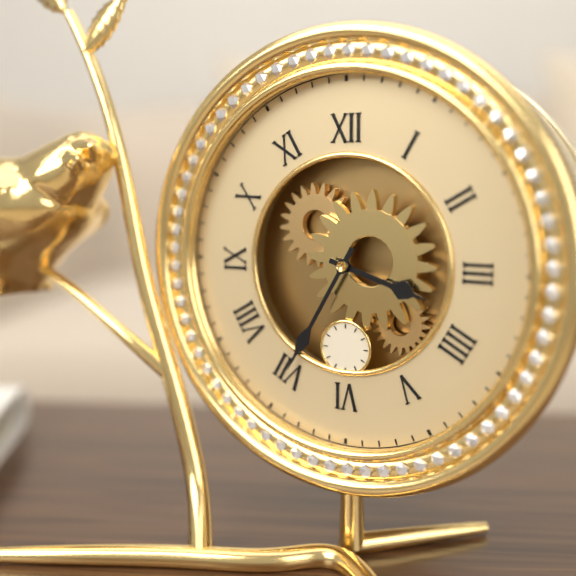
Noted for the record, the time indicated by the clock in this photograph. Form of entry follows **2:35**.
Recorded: **3:35**
